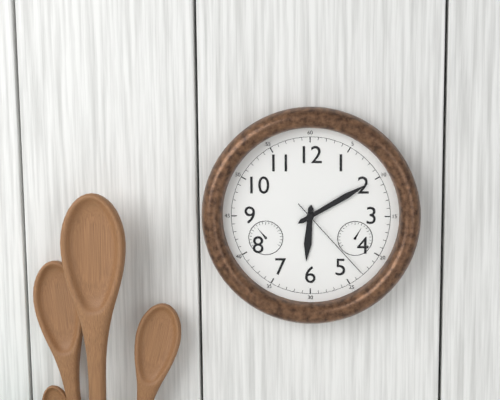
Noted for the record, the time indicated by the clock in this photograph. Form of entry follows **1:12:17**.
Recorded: **6:10:23**
